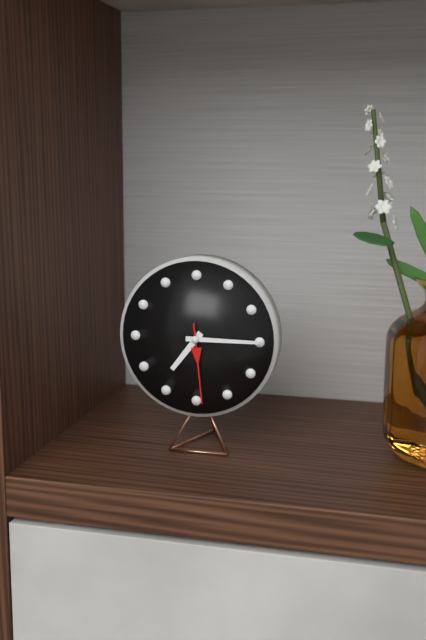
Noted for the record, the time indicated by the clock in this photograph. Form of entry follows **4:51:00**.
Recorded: **7:15:29**
